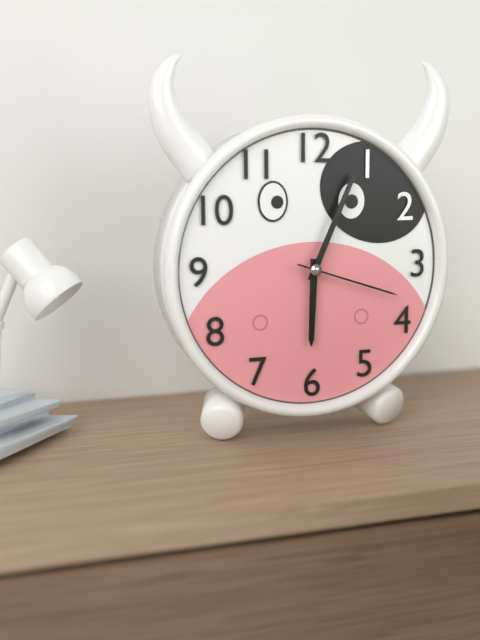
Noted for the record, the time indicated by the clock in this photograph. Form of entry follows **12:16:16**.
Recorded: **6:04:18**
